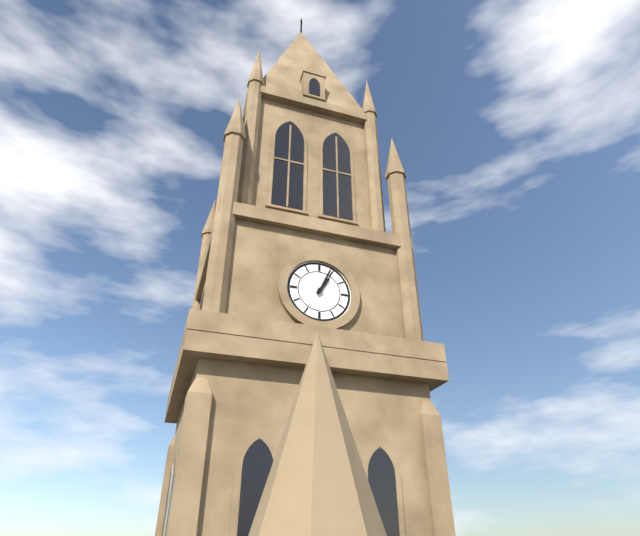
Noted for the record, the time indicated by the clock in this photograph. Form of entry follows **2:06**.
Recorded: **1:04**
